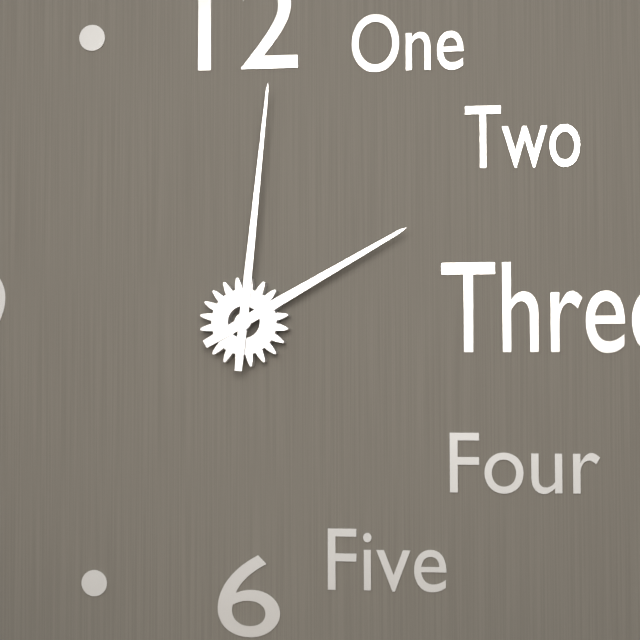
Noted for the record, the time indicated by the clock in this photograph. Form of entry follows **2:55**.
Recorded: **2:01**
